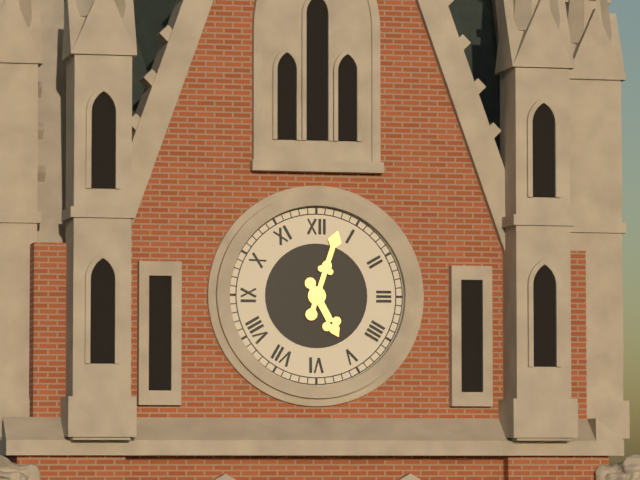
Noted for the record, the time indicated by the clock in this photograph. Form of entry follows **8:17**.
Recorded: **5:03**
